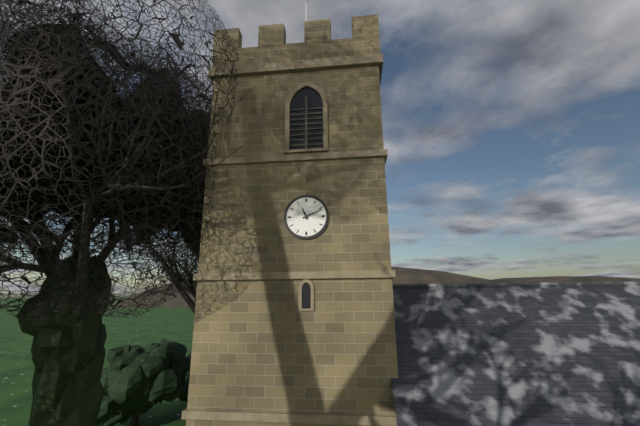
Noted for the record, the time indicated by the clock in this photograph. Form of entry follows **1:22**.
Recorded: **11:11**
